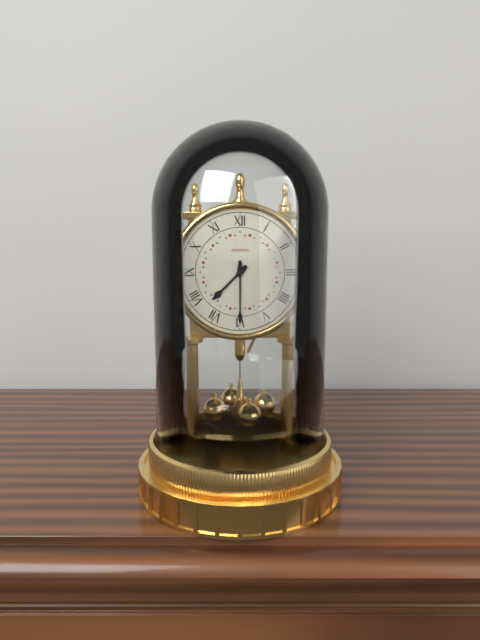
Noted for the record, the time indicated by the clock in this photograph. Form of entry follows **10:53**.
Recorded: **7:30**
